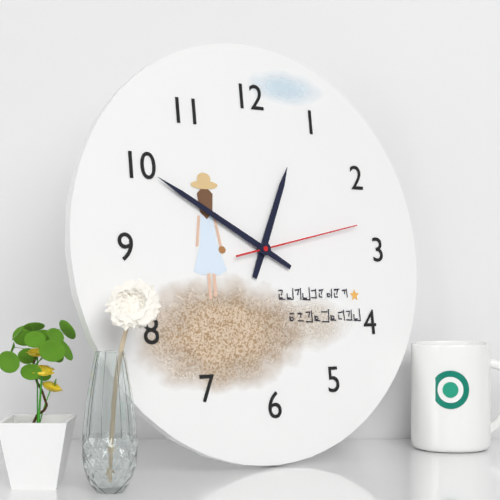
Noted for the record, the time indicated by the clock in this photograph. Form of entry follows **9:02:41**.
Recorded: **12:50:13**
